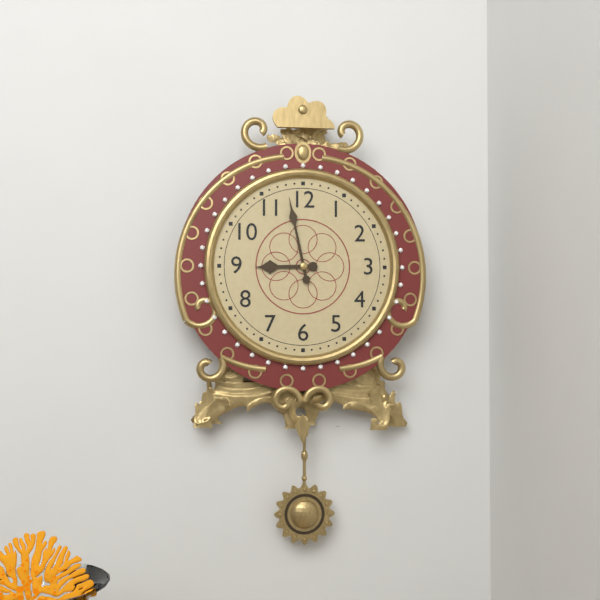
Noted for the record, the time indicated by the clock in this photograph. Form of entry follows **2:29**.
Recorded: **8:58**
